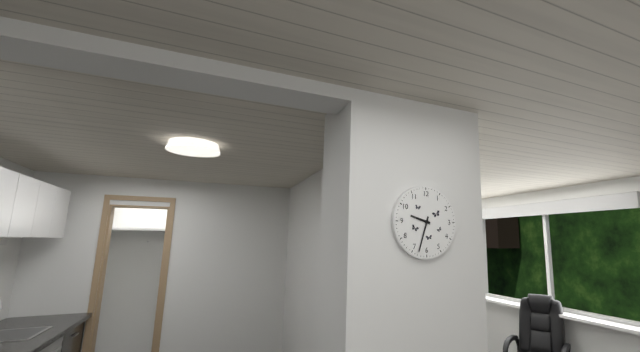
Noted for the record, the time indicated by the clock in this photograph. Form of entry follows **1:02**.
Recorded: **9:33**
